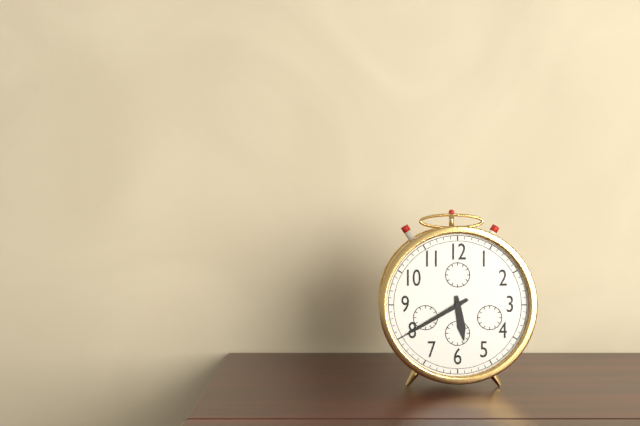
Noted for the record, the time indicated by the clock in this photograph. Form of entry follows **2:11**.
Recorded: **5:40**
